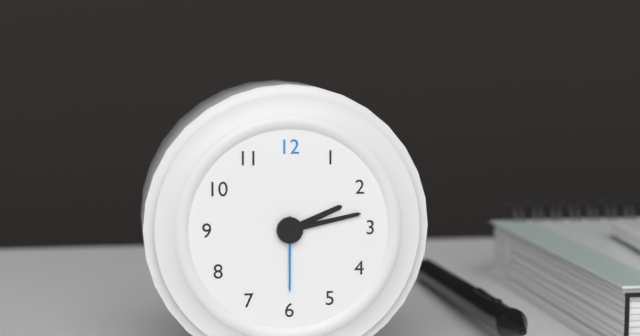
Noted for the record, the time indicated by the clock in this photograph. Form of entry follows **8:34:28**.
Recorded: **2:13:30**
